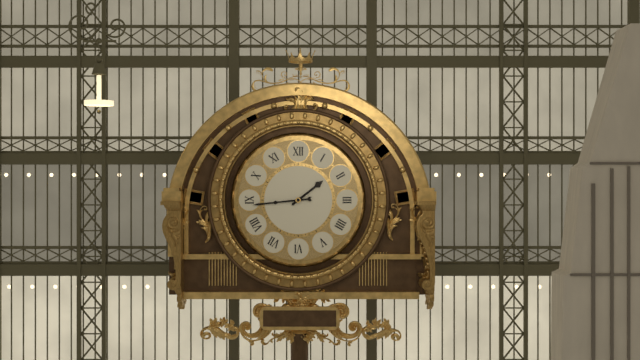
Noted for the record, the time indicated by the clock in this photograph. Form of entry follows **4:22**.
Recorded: **1:44**
